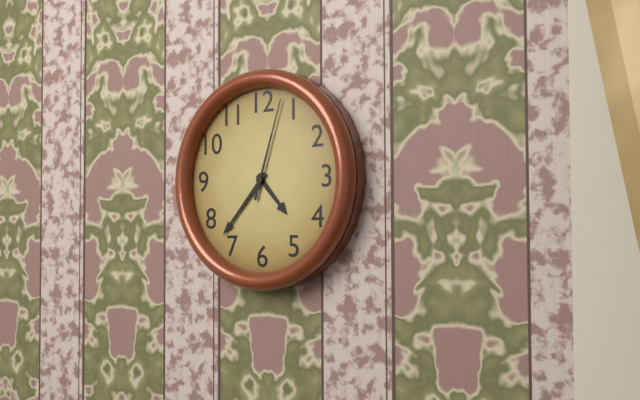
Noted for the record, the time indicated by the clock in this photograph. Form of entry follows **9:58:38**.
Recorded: **4:37:03**
